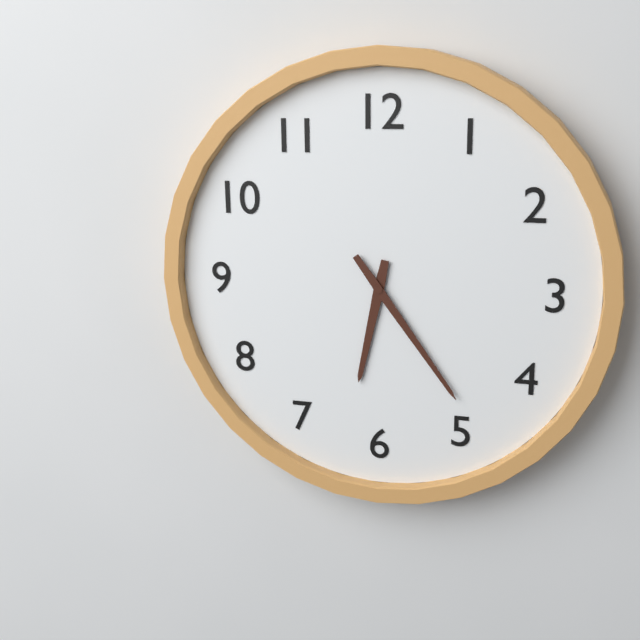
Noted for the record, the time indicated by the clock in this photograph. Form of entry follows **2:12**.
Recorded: **6:24**
